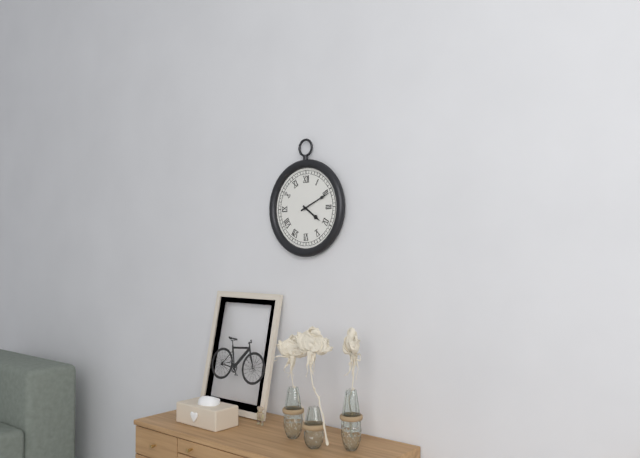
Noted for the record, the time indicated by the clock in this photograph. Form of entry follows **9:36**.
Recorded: **4:11**
